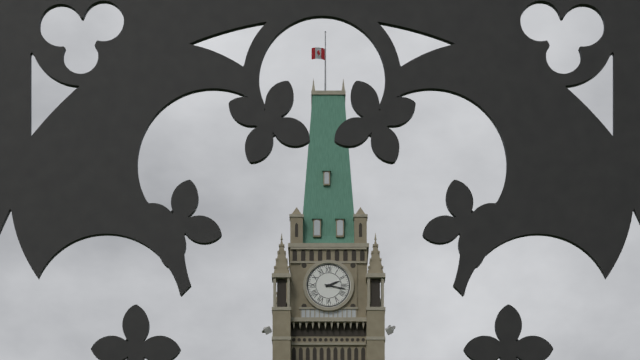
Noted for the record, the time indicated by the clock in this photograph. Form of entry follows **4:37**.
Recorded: **2:17**
